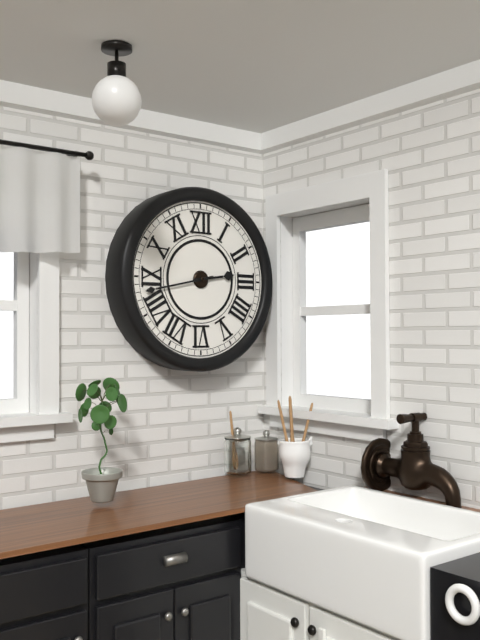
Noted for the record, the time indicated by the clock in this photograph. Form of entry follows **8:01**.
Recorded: **2:43**
